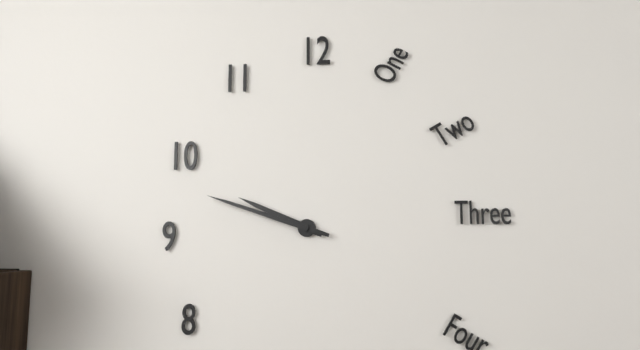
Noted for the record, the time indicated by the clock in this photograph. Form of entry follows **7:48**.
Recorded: **9:48**
